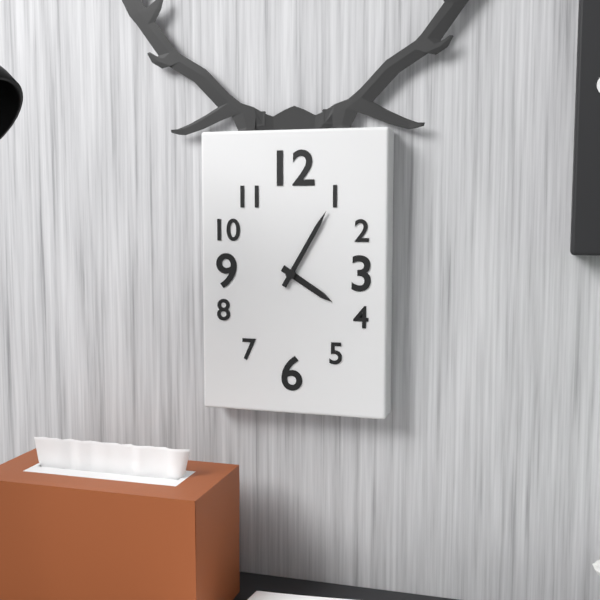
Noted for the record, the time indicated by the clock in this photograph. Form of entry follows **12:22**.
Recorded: **4:05**
